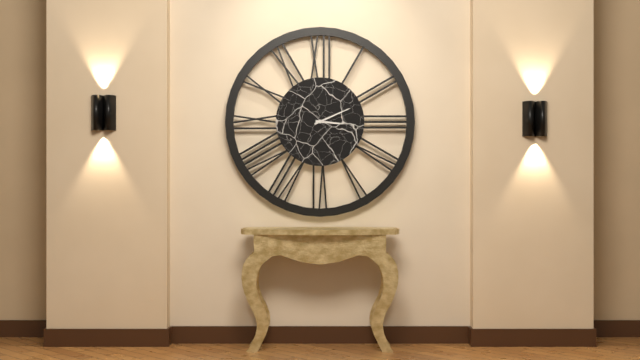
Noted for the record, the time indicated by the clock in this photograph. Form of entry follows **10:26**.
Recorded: **3:11**
